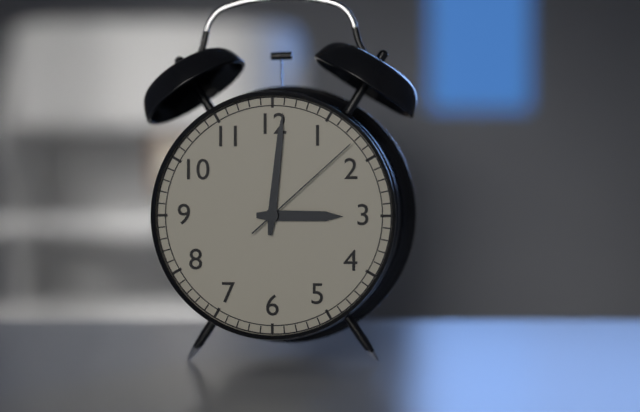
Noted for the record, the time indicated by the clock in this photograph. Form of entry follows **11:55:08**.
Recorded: **3:01:08**
